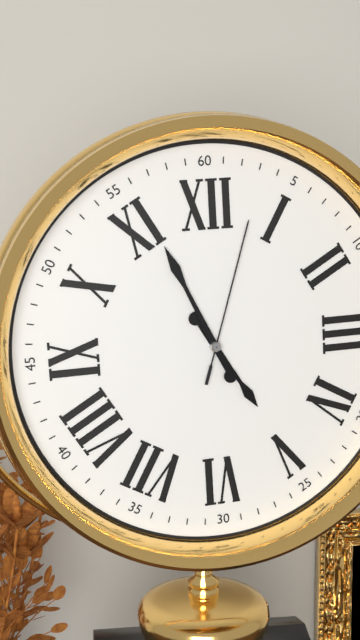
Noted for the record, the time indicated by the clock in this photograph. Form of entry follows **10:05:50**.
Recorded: **4:56:03**
